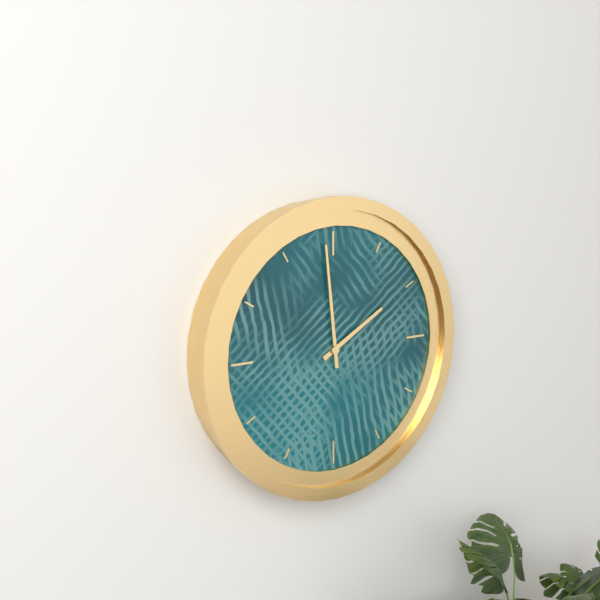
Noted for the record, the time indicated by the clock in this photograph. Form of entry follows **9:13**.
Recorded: **1:59**
